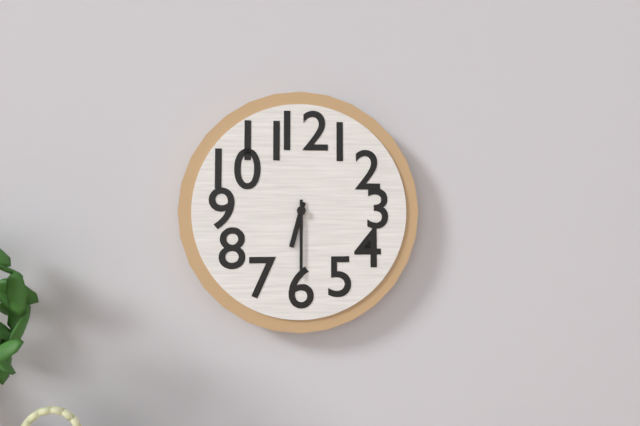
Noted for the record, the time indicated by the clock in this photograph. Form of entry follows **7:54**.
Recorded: **6:30**
